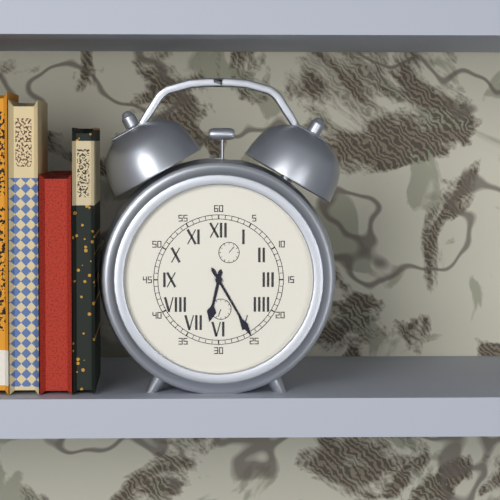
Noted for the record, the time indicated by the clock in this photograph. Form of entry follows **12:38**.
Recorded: **6:25**
